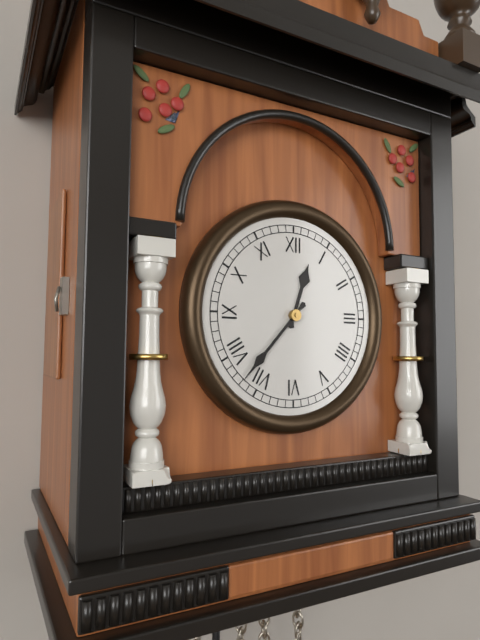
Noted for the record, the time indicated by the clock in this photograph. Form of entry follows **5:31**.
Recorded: **12:37**
